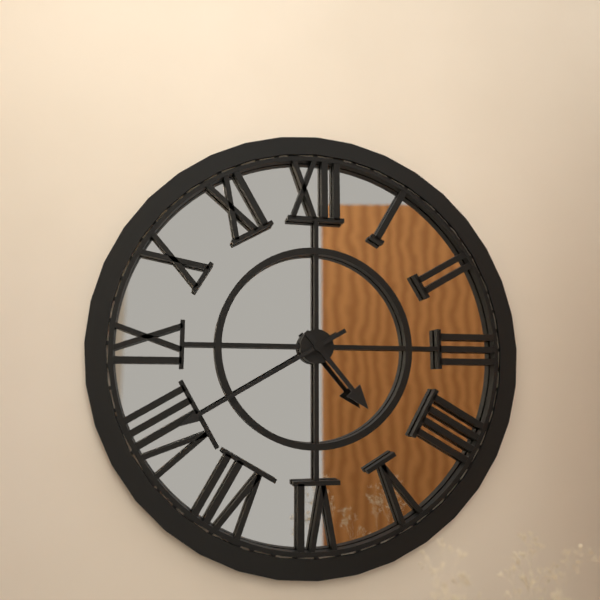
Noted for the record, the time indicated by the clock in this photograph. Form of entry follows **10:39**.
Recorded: **4:40**
